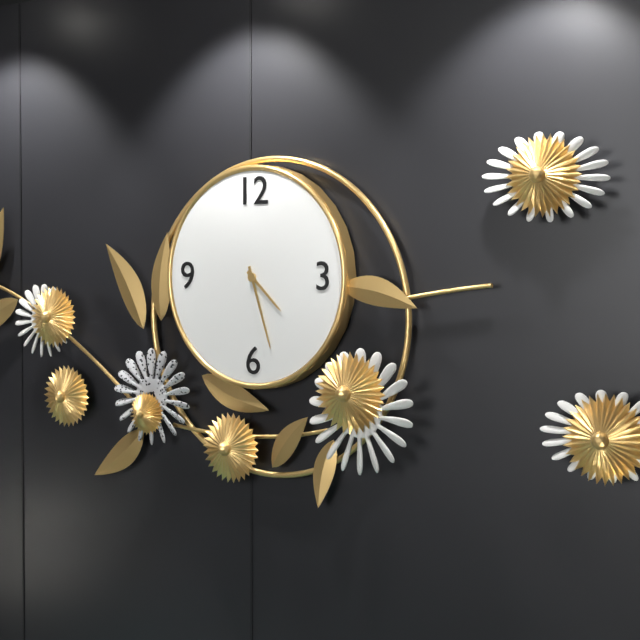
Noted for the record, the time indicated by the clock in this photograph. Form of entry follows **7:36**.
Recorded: **4:27**
